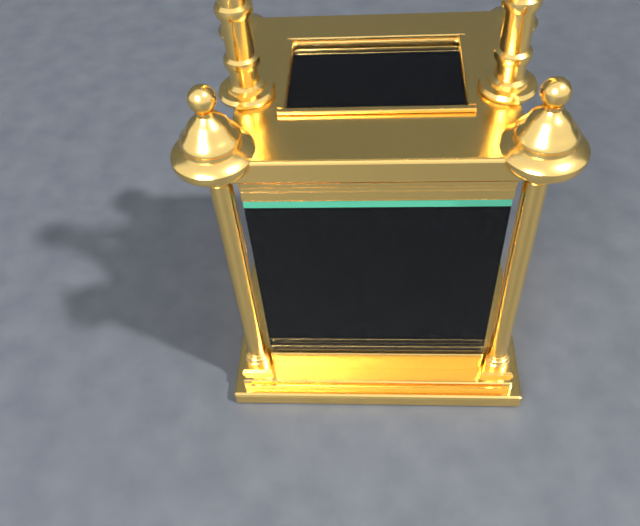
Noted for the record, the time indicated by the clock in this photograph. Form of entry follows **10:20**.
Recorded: **7:47**
